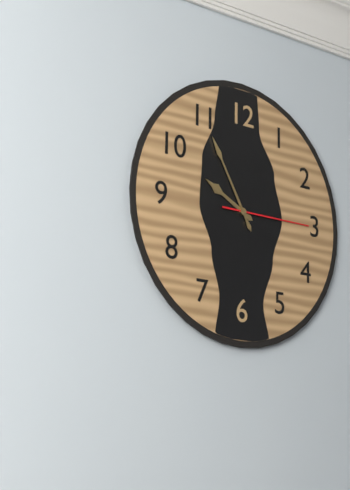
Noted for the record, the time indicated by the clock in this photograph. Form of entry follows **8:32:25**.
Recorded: **9:55:15**
